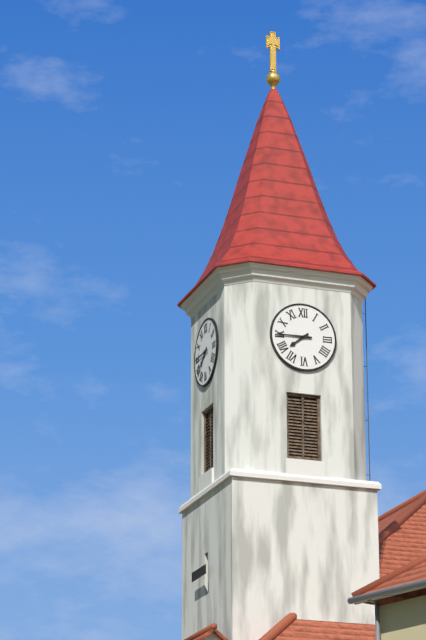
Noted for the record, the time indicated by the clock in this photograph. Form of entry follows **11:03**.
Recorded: **7:45**
